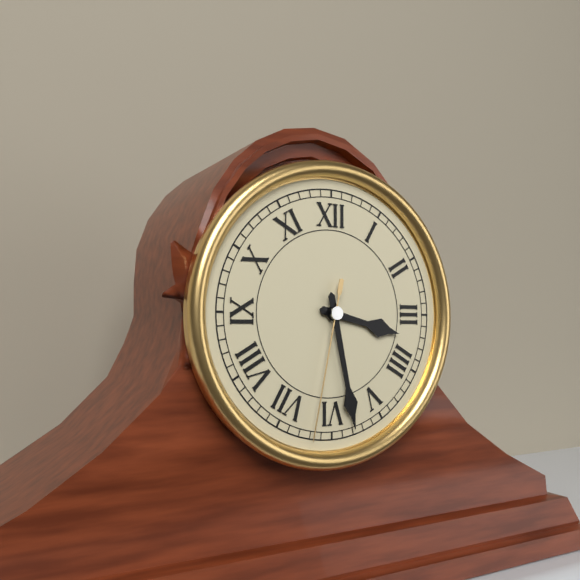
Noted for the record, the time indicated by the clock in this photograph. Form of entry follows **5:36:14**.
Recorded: **3:28:32**
